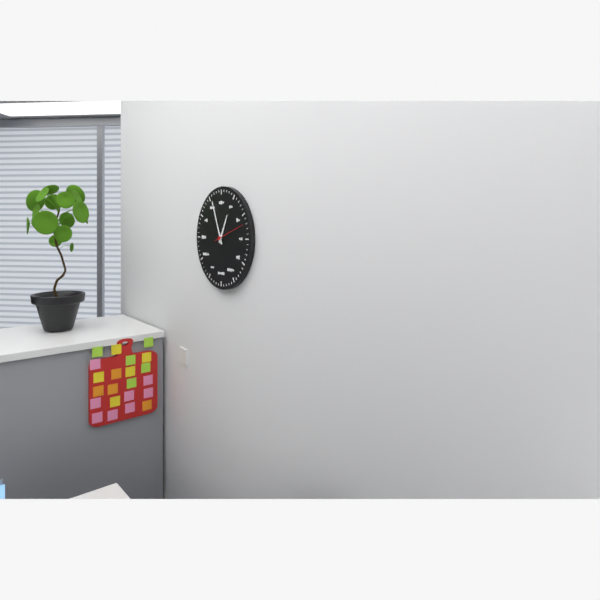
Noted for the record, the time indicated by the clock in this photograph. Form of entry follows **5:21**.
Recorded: **12:56**
